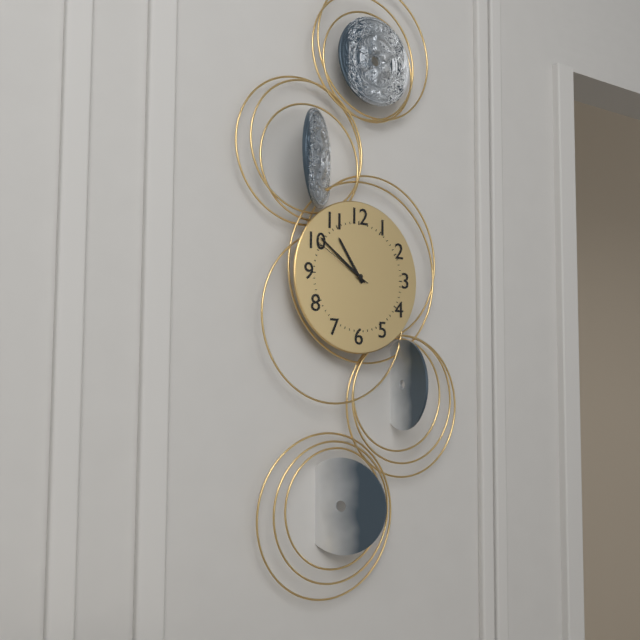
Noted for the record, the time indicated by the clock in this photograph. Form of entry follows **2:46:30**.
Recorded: **10:51:50**
